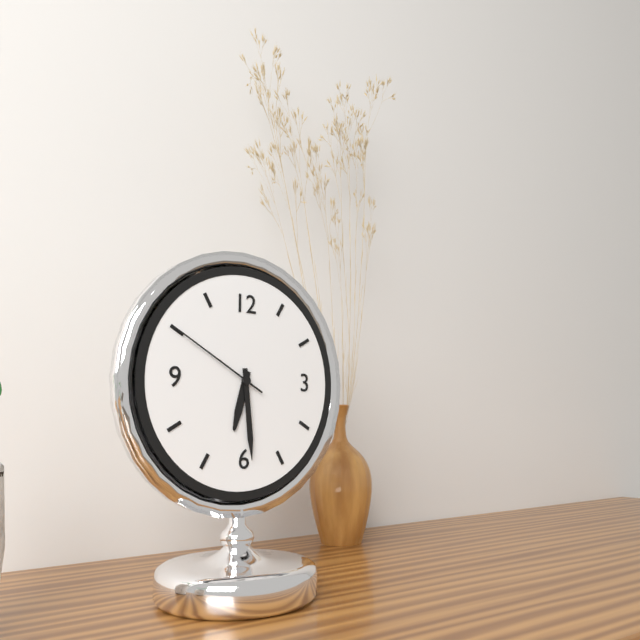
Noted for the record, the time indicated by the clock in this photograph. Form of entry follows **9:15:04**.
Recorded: **6:29:50**
